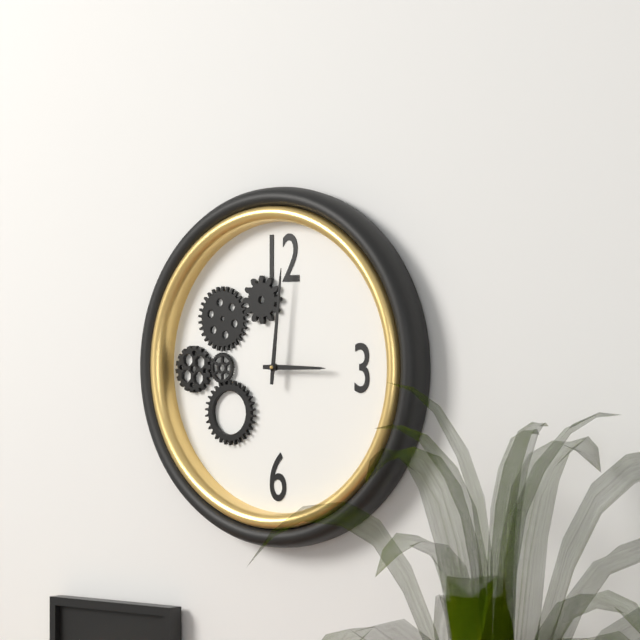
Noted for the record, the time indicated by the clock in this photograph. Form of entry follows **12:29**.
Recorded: **3:01**
